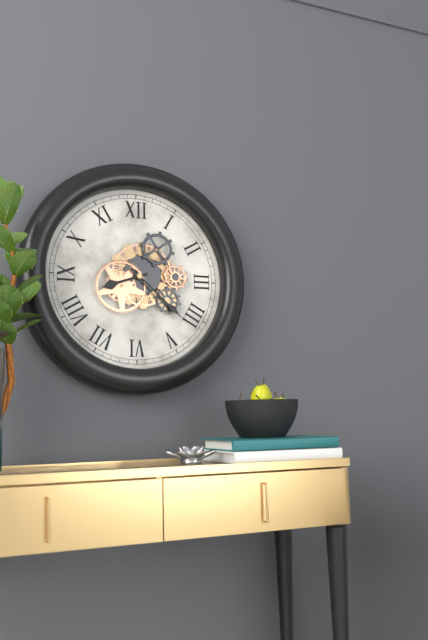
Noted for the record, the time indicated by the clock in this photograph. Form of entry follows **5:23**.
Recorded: **8:22**
